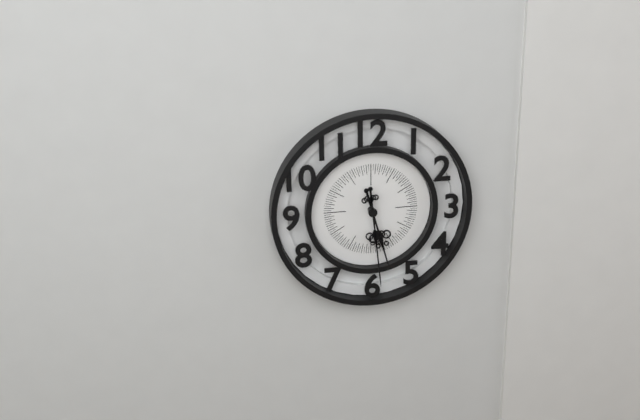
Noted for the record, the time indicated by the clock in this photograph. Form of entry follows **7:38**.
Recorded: **5:29**
